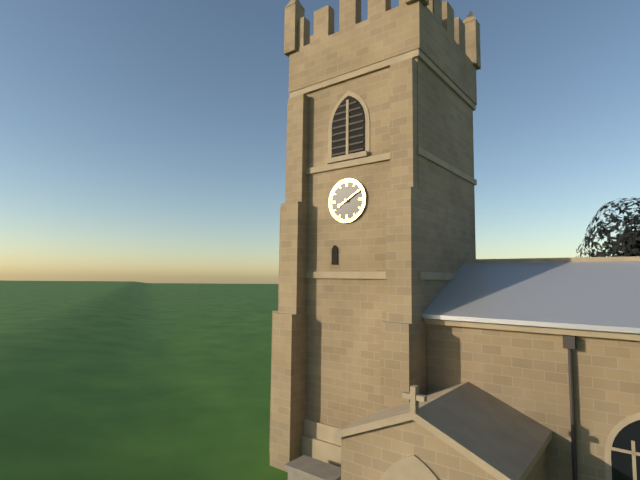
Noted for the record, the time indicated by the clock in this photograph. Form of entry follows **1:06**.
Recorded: **8:10**
